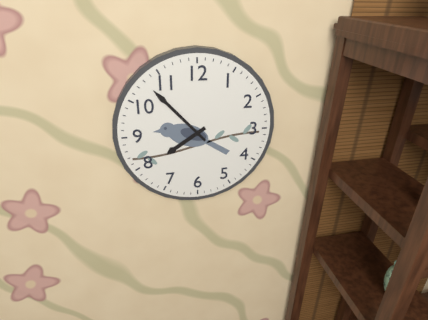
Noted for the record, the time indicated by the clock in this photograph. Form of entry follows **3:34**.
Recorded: **7:53**
